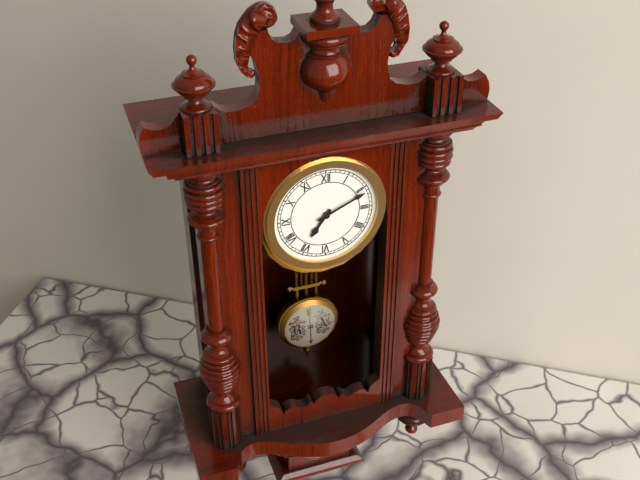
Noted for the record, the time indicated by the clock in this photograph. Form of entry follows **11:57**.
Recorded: **7:11**
